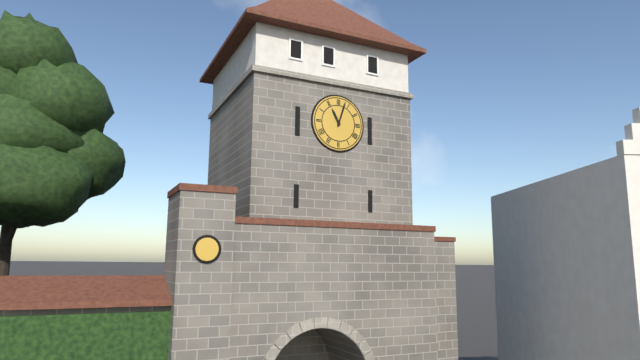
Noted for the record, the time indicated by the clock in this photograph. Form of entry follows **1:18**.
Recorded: **11:03**
